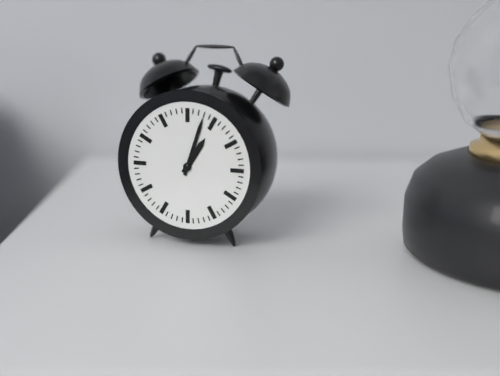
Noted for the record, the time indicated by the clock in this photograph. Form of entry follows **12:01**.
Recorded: **1:03**
